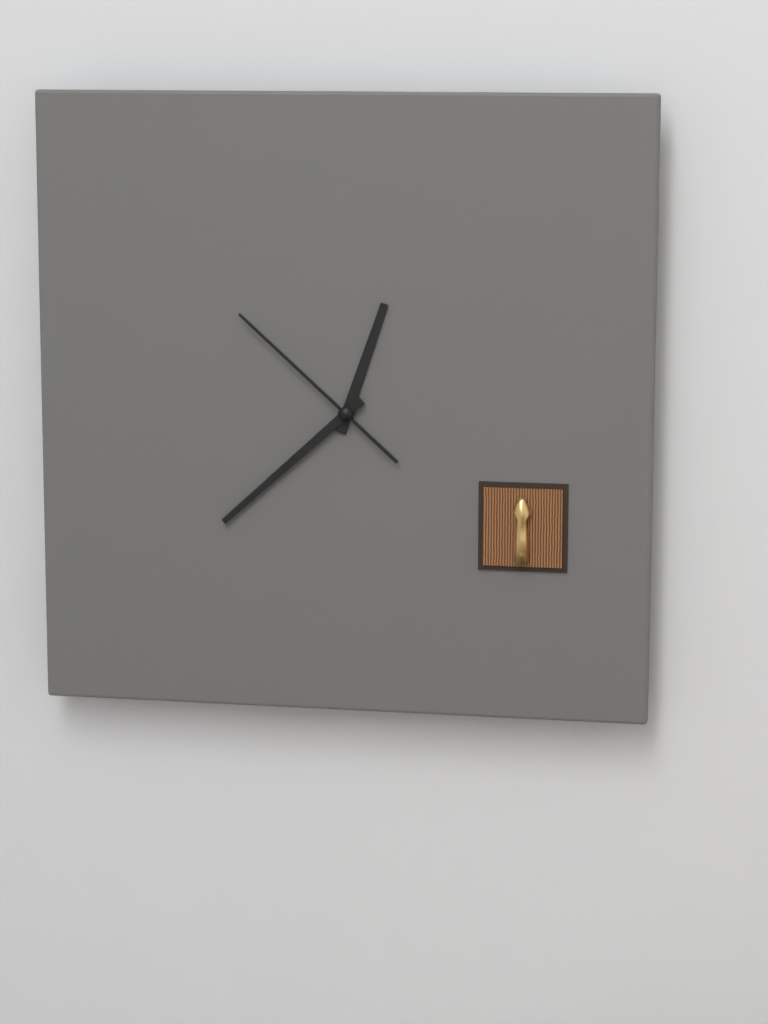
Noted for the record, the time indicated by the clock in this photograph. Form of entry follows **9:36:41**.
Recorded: **12:38:52**
